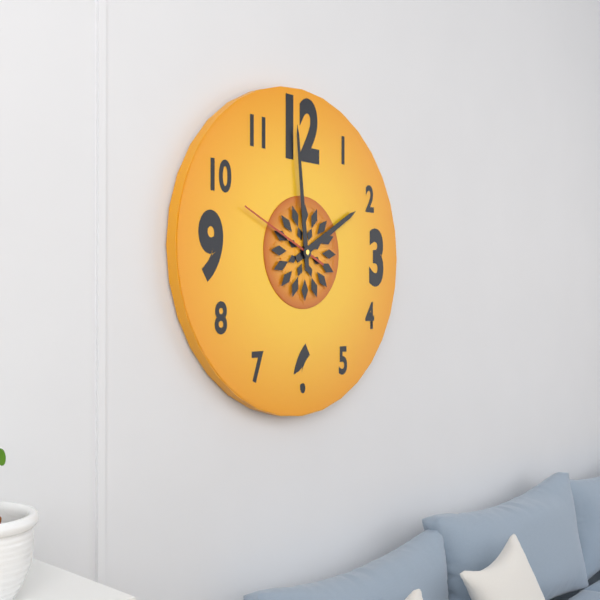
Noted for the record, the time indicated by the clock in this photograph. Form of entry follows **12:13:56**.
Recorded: **1:59:49**
